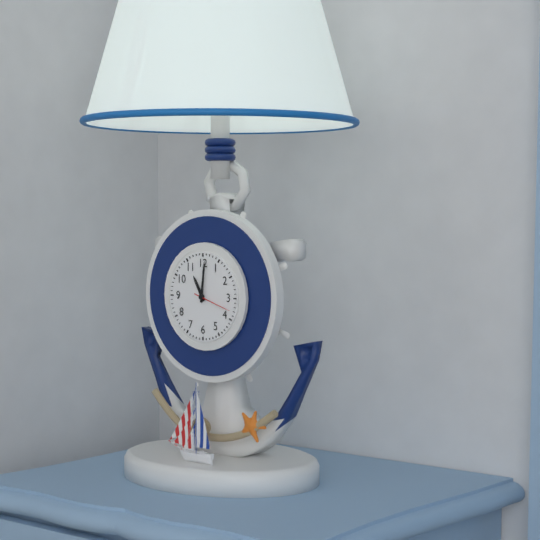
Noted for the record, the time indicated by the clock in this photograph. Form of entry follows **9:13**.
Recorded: **11:01**
